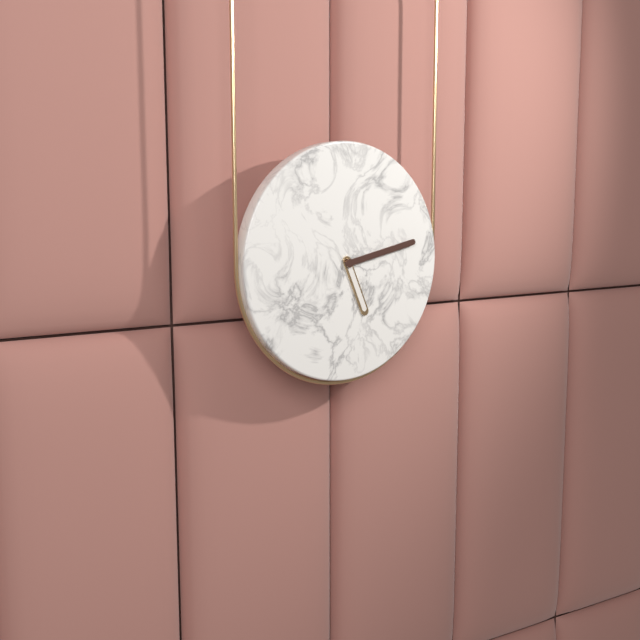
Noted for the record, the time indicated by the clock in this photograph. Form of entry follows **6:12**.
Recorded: **5:13**
